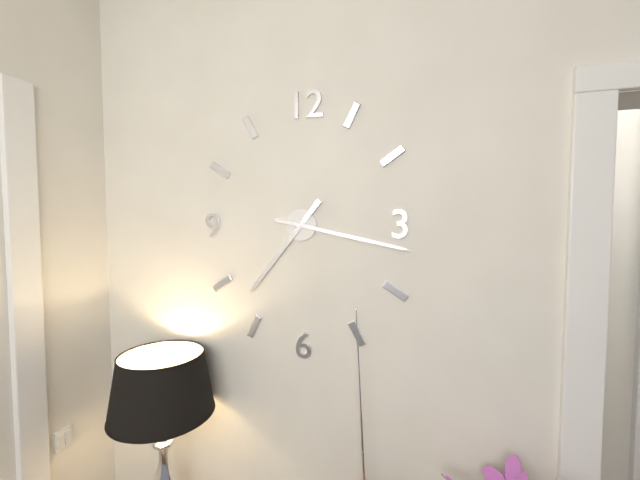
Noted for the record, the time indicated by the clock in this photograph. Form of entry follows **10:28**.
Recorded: **7:17**
